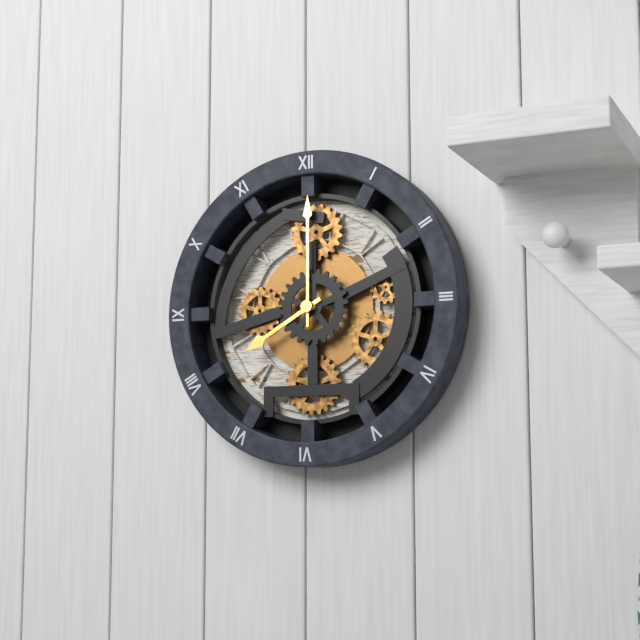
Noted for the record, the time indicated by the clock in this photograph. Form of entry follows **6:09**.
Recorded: **8:00**
